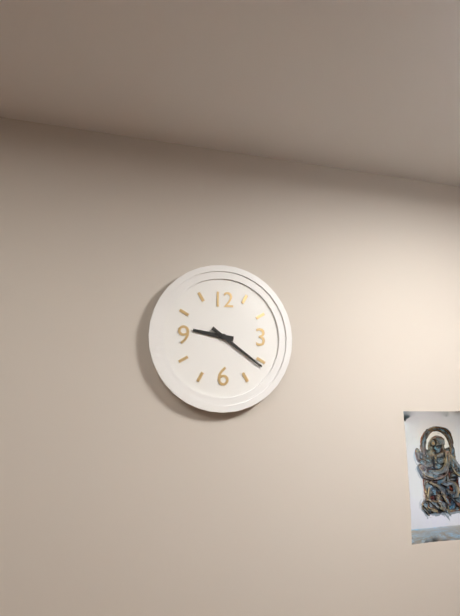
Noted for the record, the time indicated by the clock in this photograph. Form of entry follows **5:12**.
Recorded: **9:21**
